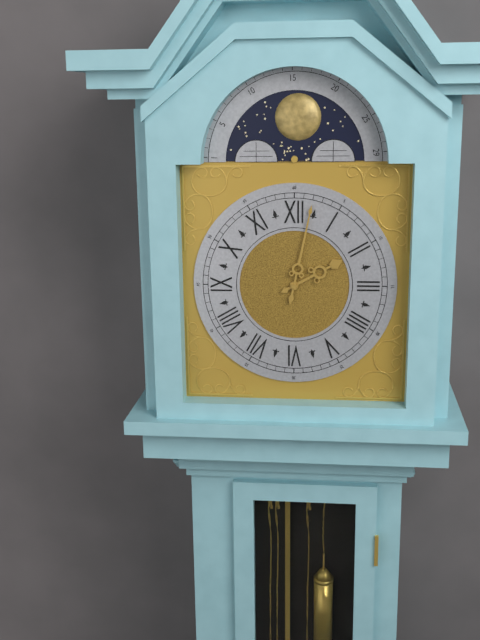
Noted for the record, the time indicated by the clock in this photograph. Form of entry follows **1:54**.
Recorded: **2:02**
